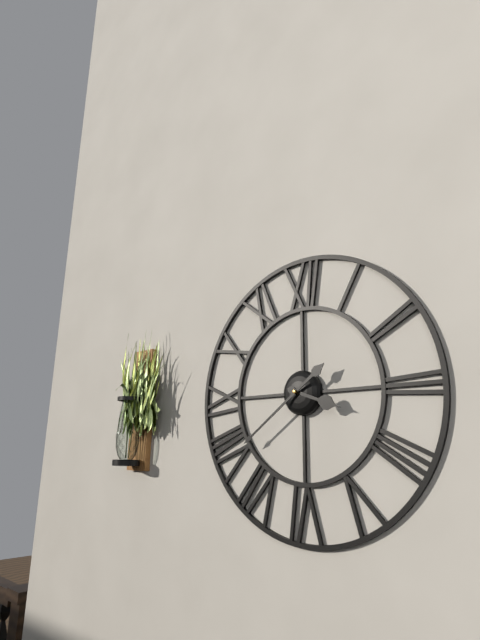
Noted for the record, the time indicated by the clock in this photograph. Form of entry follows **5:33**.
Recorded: **3:39**
